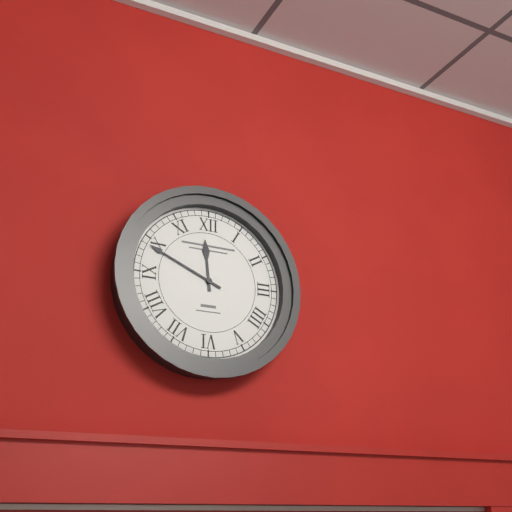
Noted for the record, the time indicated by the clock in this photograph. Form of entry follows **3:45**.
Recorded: **11:49**
